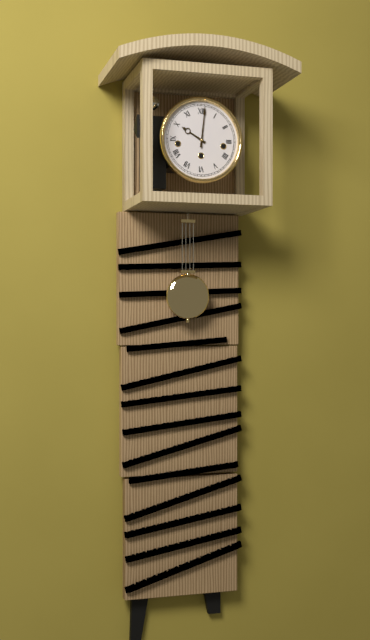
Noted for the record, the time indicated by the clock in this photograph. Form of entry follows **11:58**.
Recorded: **10:01**
